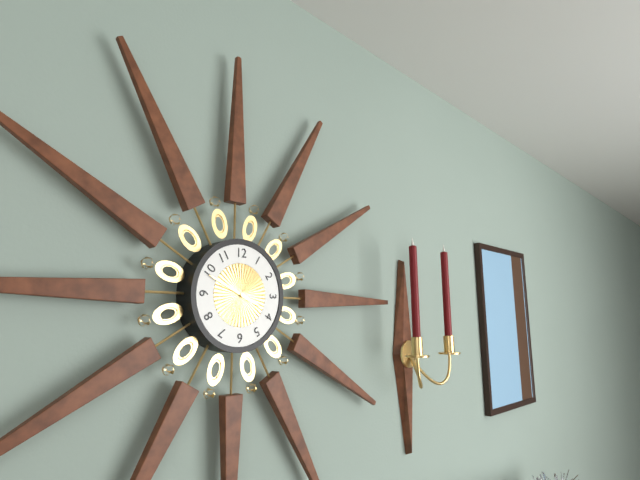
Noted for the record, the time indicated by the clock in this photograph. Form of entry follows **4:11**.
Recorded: **3:49**
